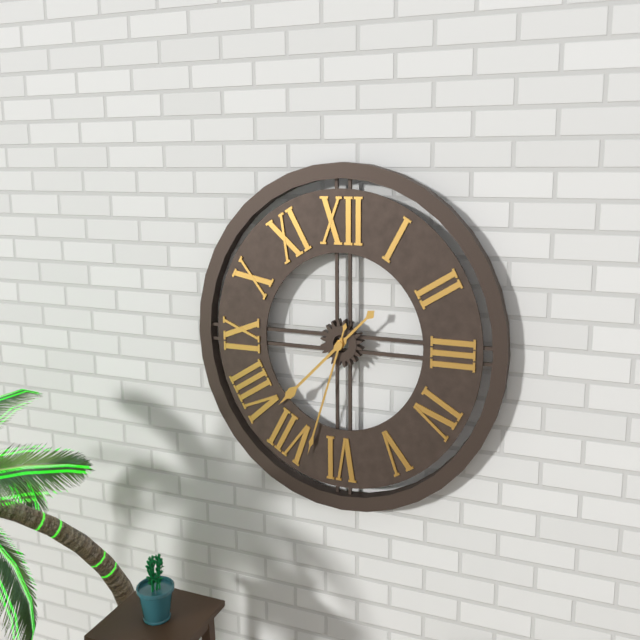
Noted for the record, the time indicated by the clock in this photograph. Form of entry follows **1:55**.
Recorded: **7:33**
